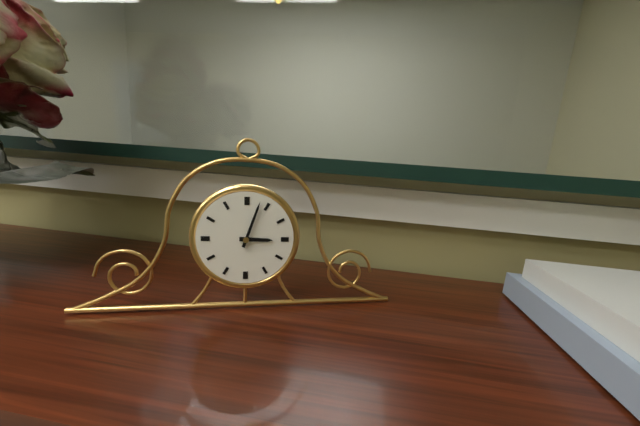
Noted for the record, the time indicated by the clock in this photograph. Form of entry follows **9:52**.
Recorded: **3:03**
